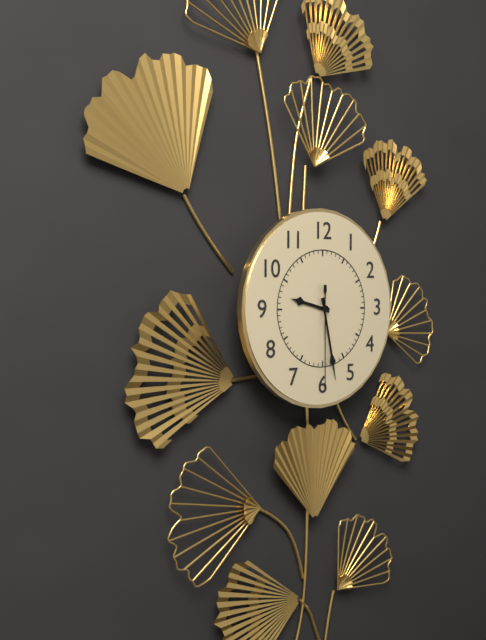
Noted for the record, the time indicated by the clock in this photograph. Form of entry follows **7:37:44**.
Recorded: **9:28:30**
